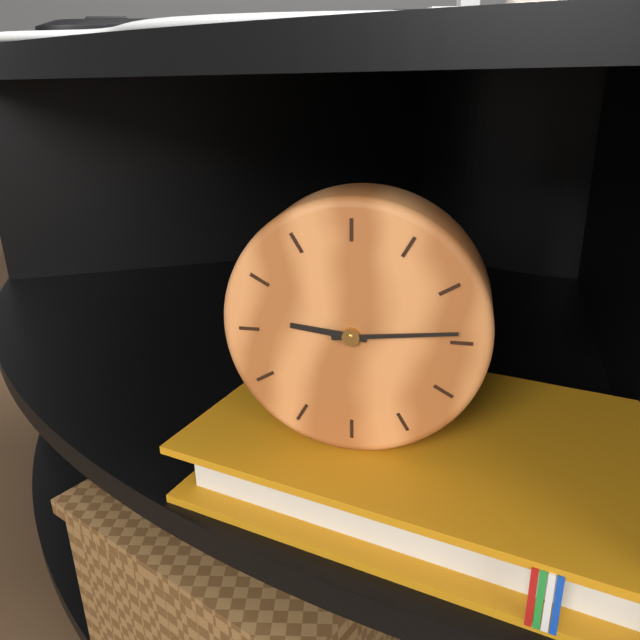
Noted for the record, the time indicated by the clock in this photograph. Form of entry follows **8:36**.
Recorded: **9:14**
